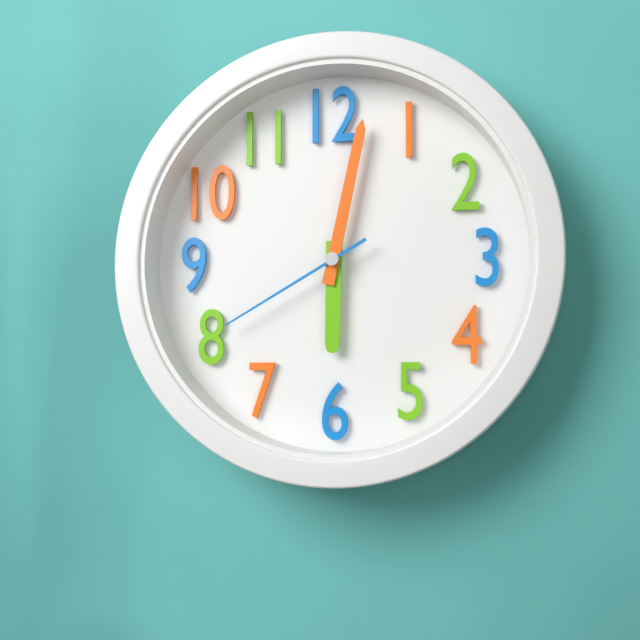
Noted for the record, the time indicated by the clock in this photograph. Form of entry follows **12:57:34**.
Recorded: **6:02:40**
